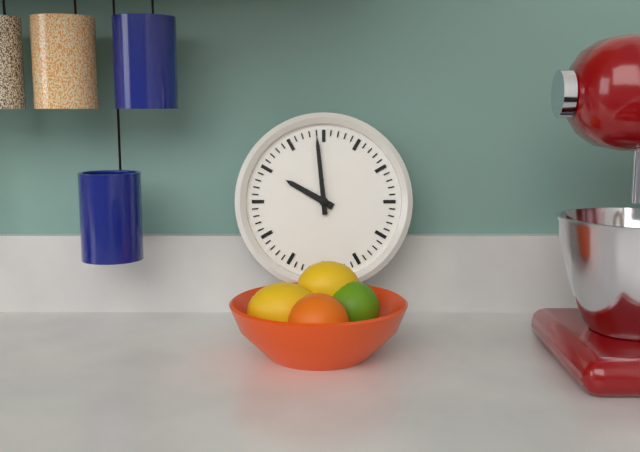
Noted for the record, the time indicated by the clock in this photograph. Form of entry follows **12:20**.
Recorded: **9:59**
